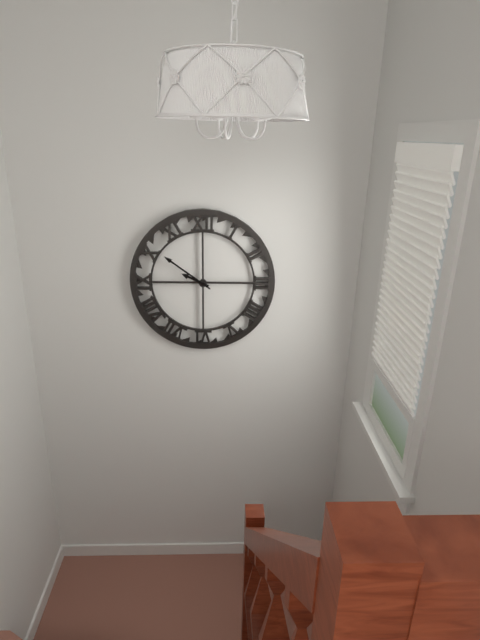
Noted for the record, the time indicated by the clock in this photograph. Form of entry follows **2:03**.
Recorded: **9:51**
